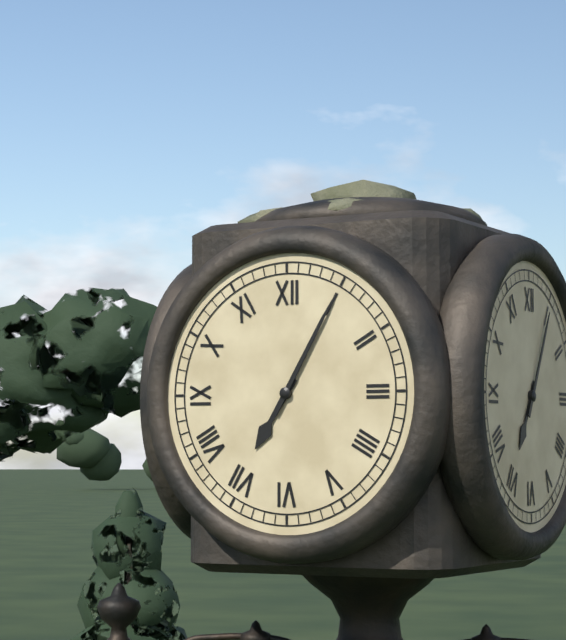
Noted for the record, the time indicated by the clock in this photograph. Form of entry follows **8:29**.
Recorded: **7:05**
